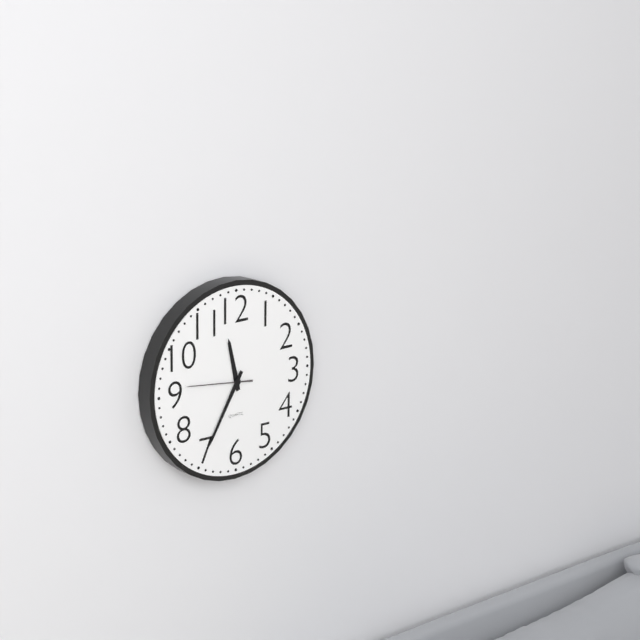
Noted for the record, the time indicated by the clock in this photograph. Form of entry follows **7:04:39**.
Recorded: **11:35:46**
